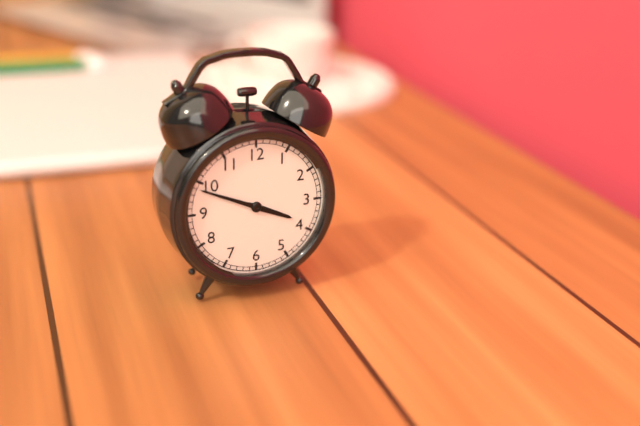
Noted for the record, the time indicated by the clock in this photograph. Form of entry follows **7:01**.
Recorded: **3:49**
